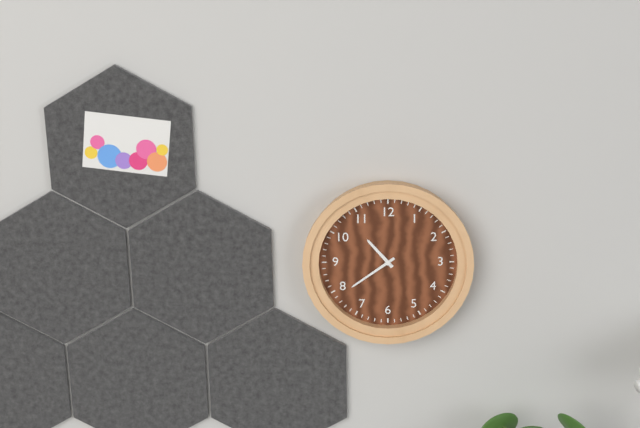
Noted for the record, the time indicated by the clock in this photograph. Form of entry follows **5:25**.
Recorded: **10:39**
